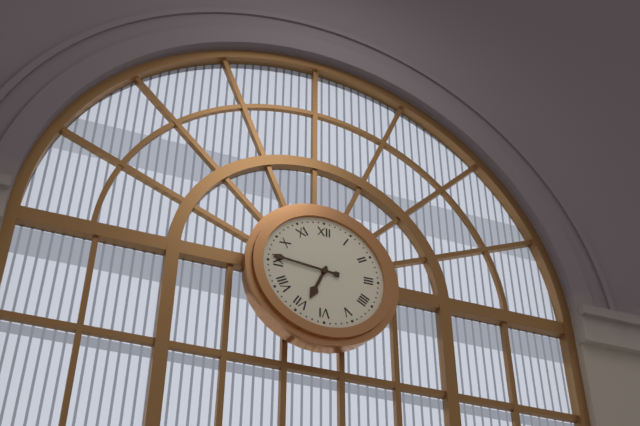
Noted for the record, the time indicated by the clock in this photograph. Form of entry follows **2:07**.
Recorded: **6:46**
